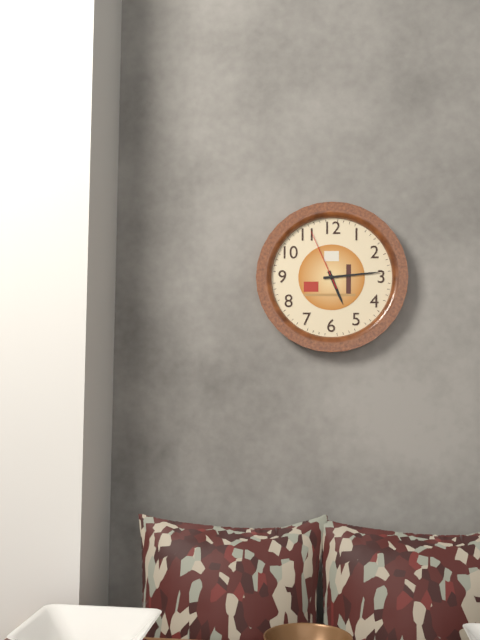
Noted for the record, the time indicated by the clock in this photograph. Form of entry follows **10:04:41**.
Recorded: **5:14:56**
